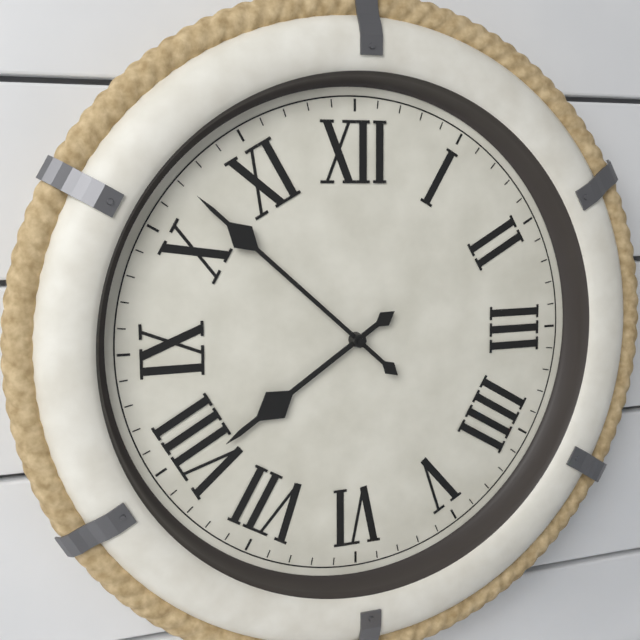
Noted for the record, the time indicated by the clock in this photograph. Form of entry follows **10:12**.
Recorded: **7:52**
